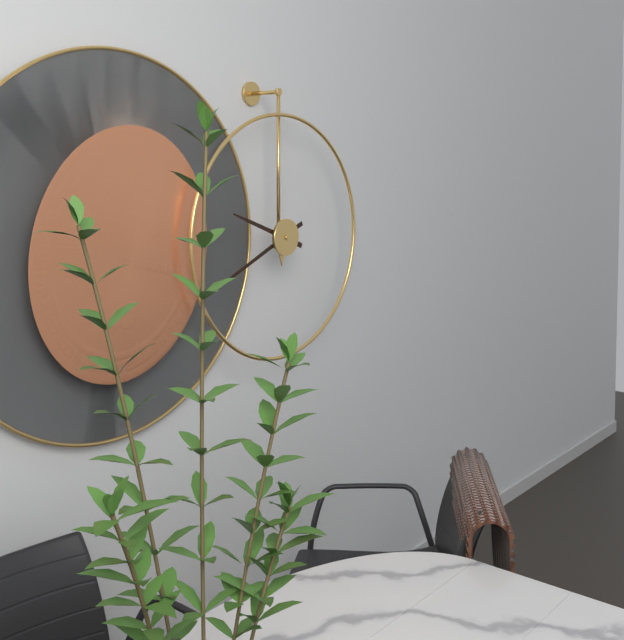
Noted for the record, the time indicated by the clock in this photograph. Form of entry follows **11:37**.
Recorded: **9:41**
